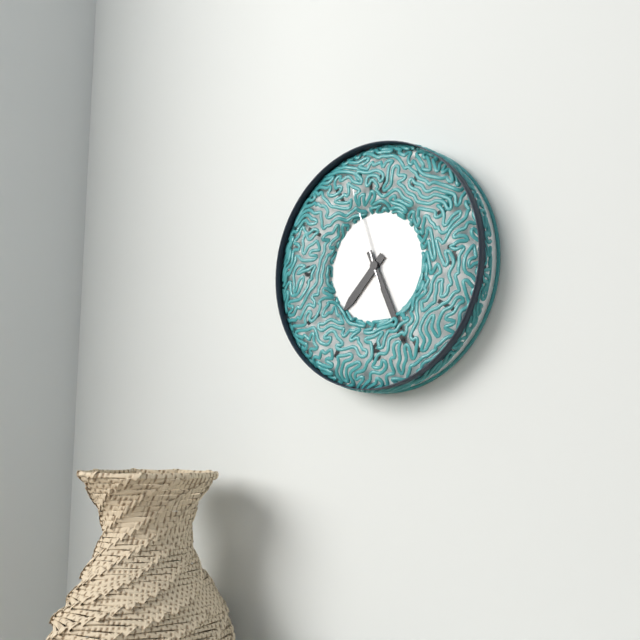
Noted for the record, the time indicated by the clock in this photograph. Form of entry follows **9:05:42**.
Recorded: **7:26:57**
